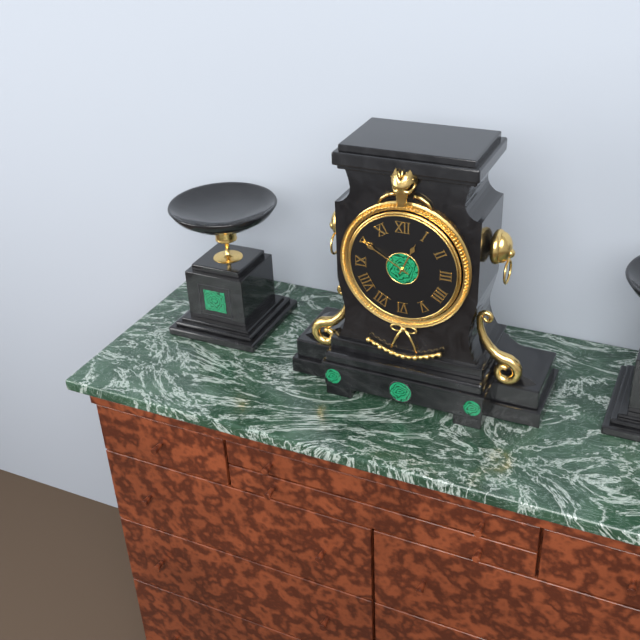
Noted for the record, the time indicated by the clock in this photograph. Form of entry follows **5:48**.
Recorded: **12:50**
